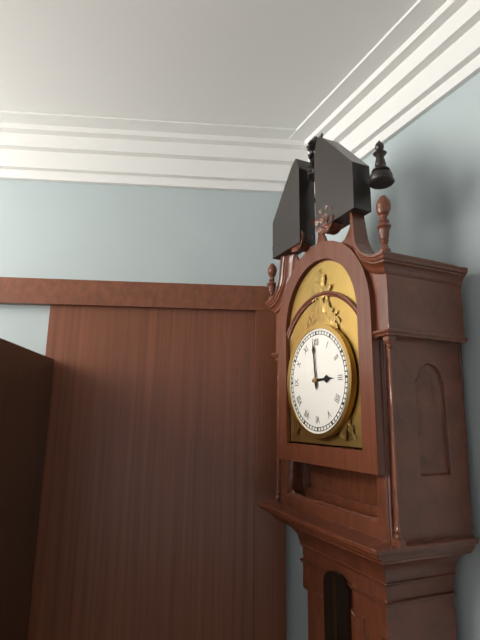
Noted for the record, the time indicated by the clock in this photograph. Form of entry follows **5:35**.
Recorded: **2:59**
